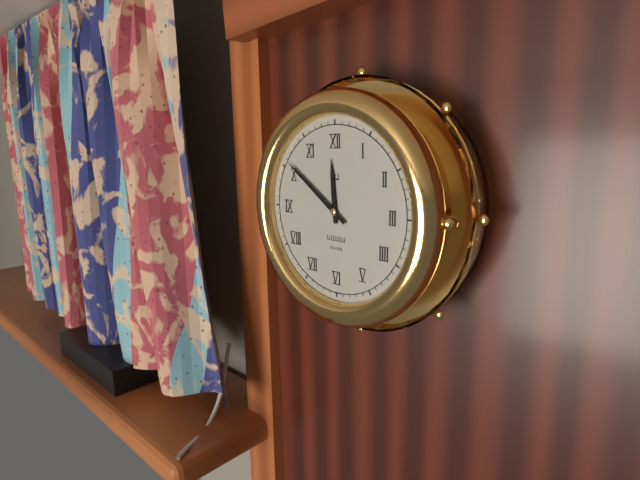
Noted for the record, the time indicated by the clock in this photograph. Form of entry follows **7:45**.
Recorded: **11:51**
